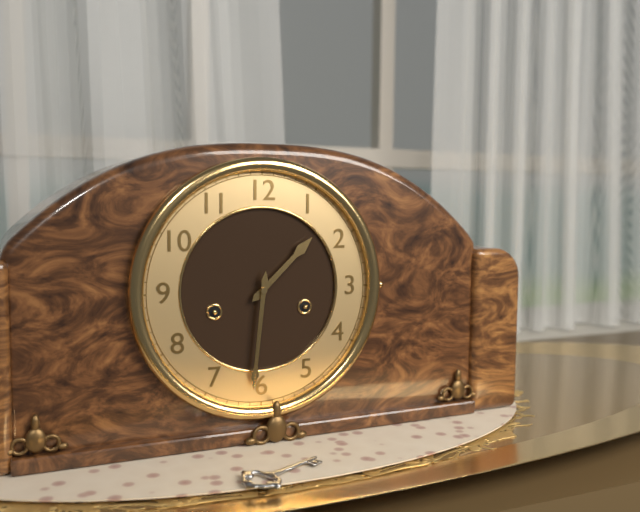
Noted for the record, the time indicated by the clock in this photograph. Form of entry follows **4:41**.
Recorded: **1:31**
